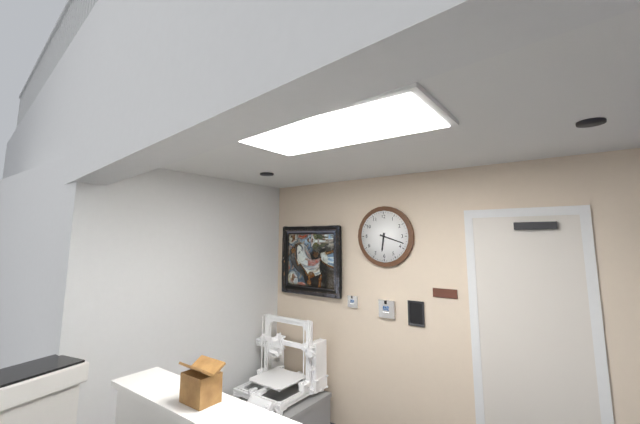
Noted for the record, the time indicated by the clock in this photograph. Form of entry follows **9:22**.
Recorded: **6:18**
